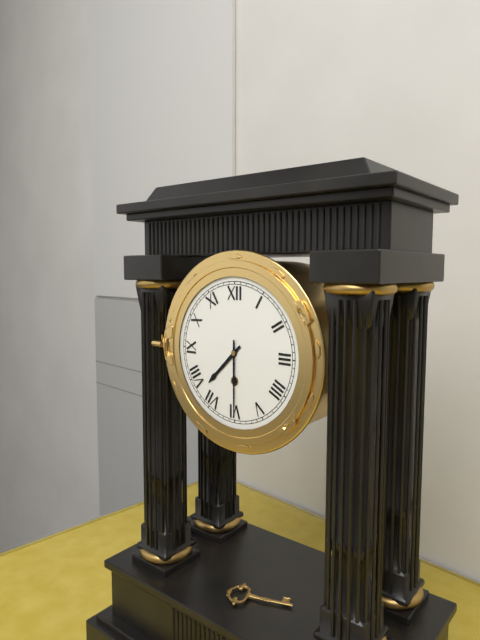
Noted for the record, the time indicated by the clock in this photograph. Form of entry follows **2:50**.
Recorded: **7:30**
